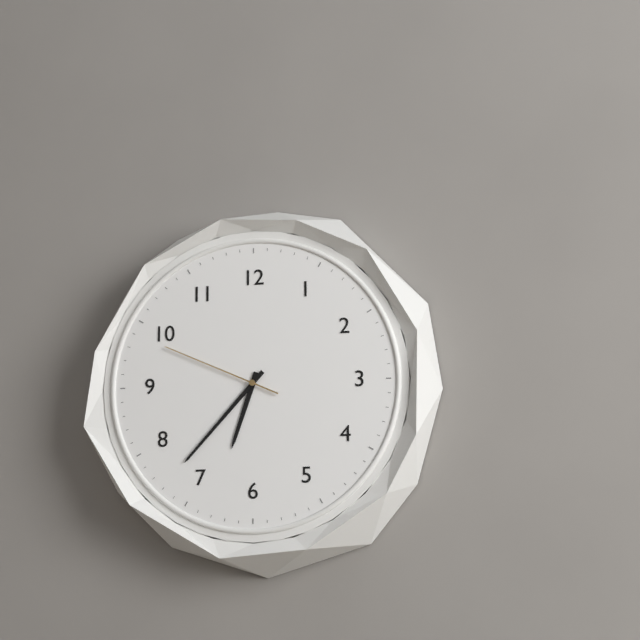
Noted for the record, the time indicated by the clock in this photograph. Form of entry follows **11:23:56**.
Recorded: **6:37:49**
